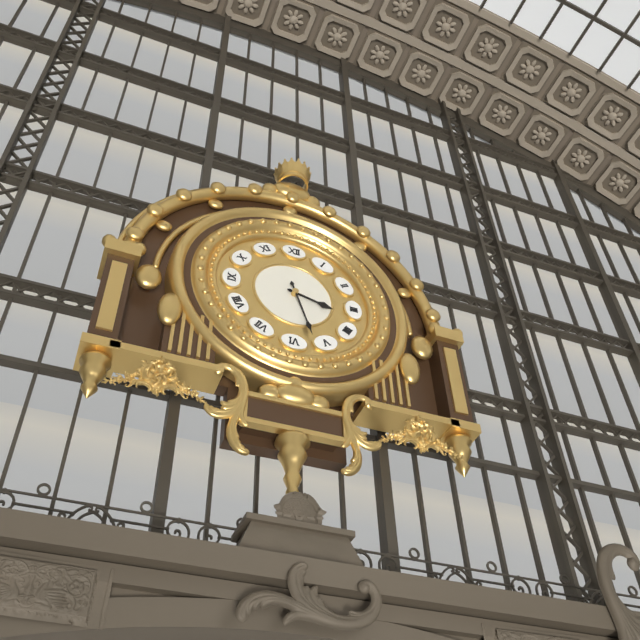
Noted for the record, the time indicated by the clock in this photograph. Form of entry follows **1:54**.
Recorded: **3:27**
